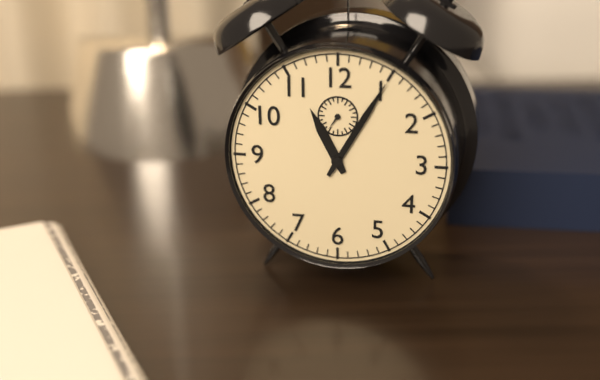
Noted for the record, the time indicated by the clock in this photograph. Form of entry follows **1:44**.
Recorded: **11:05**
